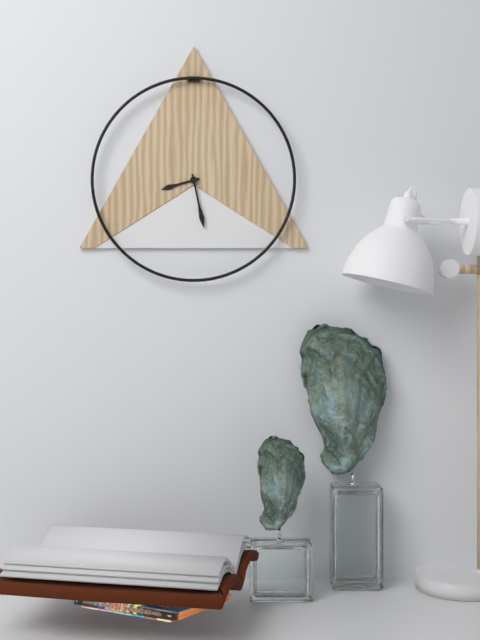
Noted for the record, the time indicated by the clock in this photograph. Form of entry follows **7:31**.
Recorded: **8:28**
